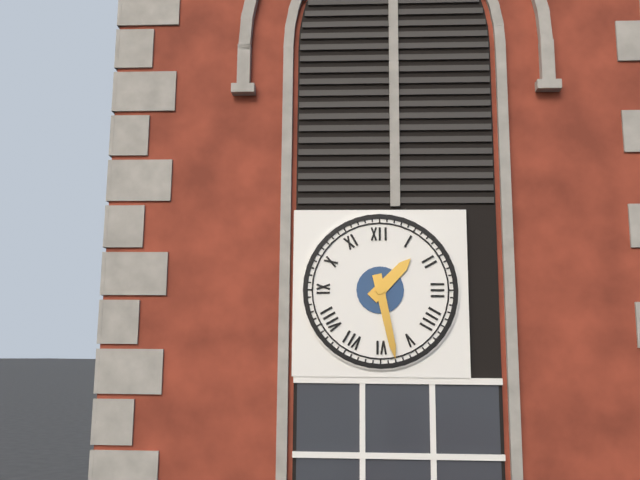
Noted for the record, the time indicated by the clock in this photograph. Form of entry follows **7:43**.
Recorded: **1:28**
